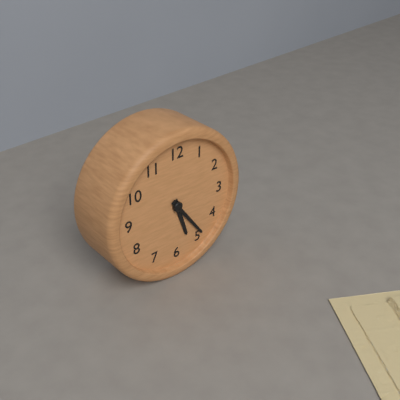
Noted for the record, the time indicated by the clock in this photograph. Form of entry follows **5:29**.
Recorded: **5:24**
